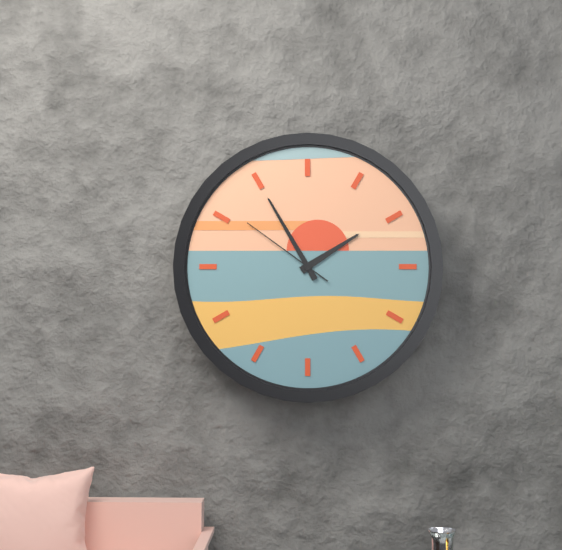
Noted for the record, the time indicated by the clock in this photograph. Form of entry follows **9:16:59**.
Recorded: **1:55:51**
